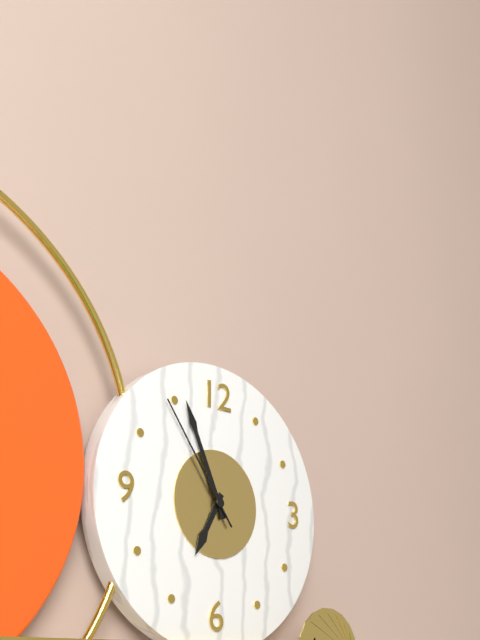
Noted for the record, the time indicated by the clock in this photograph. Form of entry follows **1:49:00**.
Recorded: **6:56:54**
